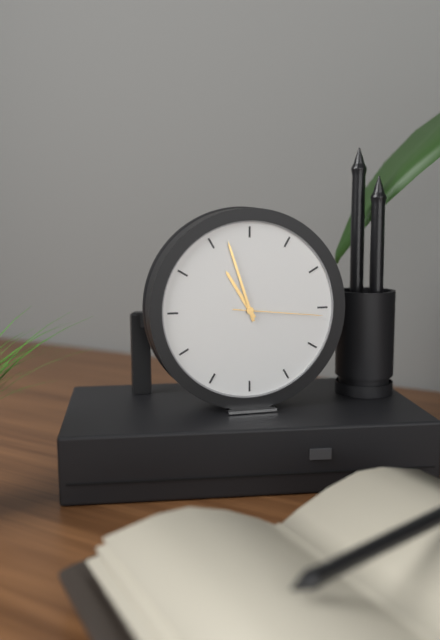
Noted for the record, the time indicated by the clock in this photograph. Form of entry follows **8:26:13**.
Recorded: **10:57:16**
